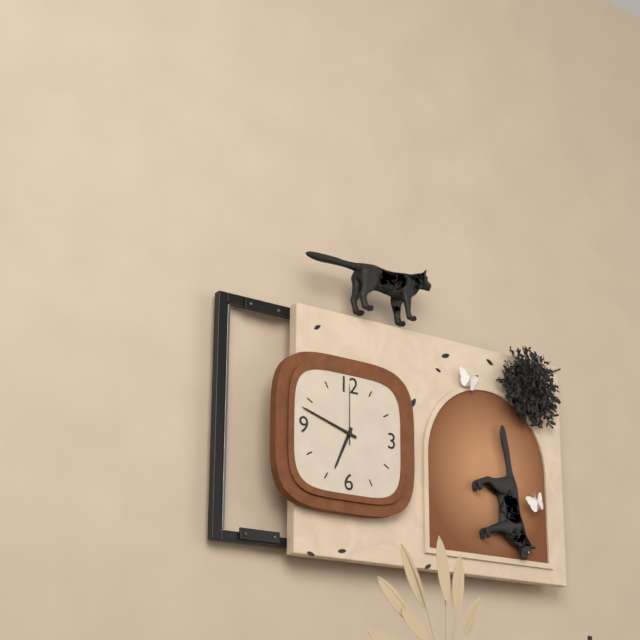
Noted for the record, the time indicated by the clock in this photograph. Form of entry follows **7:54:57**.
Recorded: **6:48:00**
